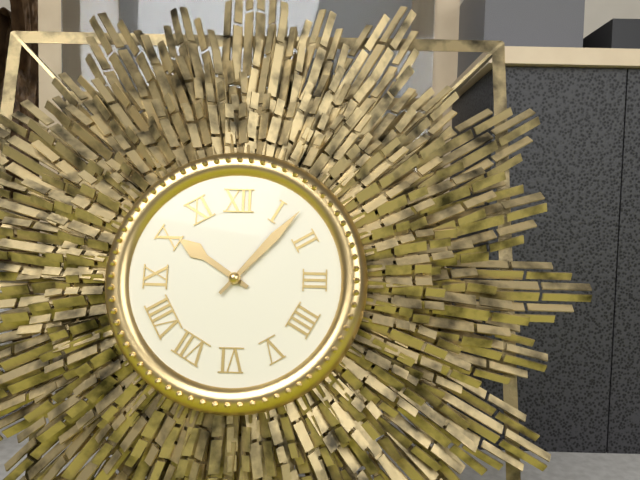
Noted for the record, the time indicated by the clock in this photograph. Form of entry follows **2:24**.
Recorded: **10:07**
